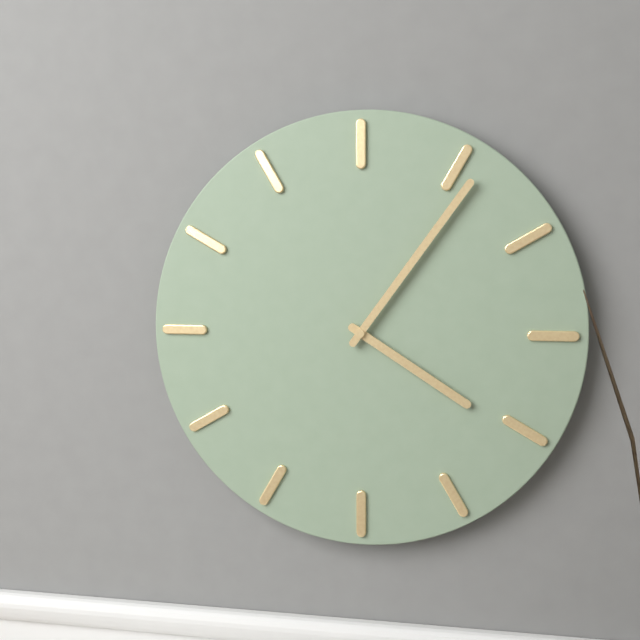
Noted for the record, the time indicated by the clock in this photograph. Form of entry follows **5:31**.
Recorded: **4:06**
